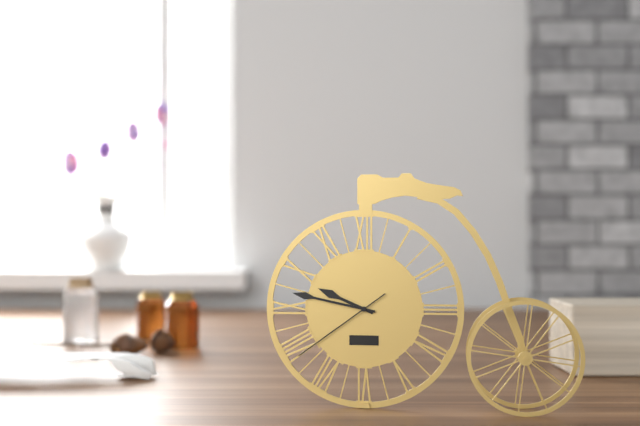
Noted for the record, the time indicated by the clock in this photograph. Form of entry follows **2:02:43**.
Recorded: **9:47:39**
